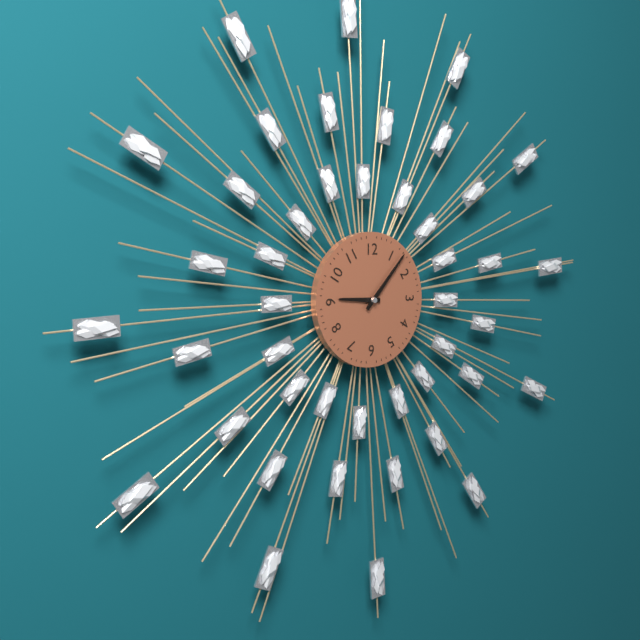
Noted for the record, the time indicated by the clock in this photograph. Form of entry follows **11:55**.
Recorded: **9:07**
